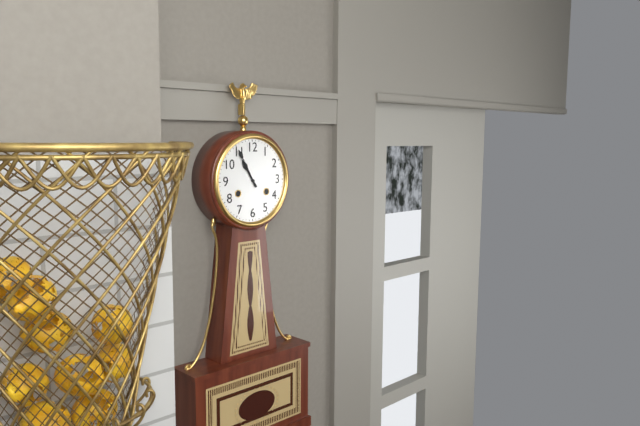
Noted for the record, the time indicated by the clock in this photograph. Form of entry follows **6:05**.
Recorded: **10:55**
